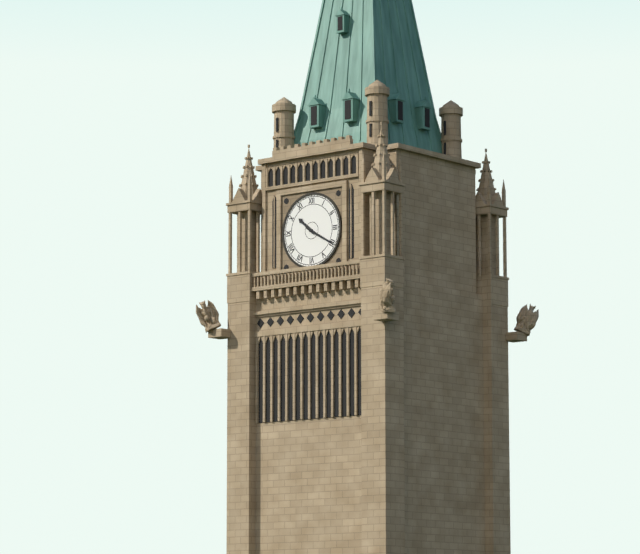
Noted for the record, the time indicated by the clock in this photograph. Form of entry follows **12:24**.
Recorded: **10:20**
